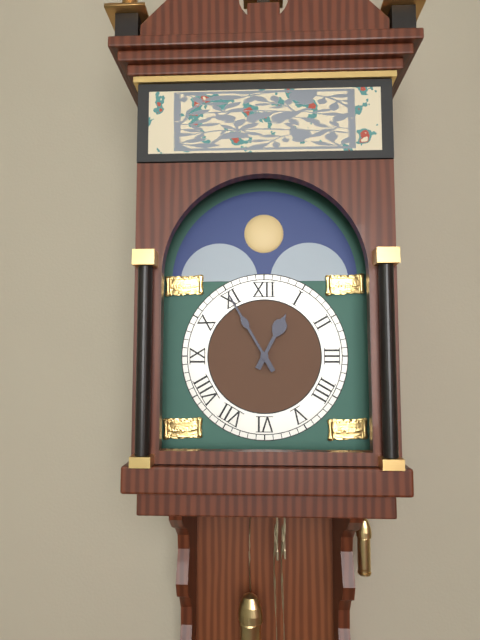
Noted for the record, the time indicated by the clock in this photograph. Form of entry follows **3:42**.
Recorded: **12:55**
